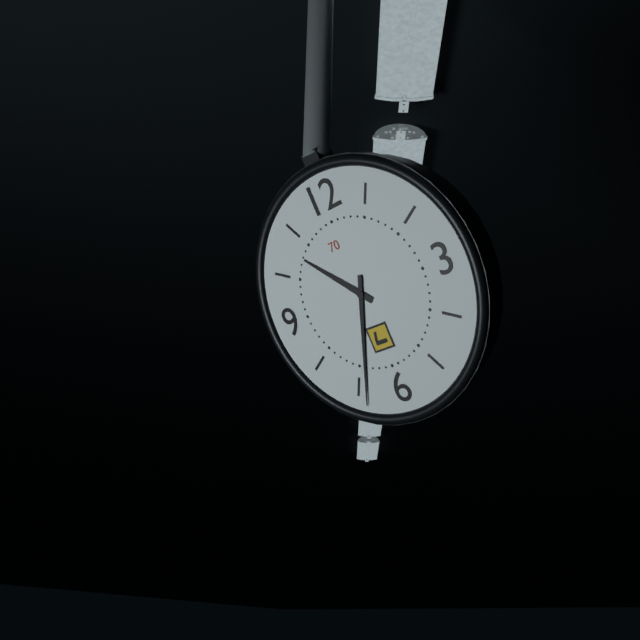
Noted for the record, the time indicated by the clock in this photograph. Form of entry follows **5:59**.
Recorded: **10:34**
